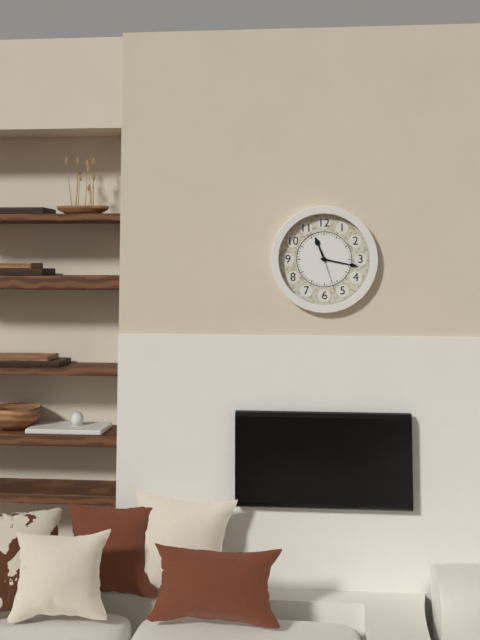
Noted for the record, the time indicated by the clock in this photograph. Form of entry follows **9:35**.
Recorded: **11:17**
